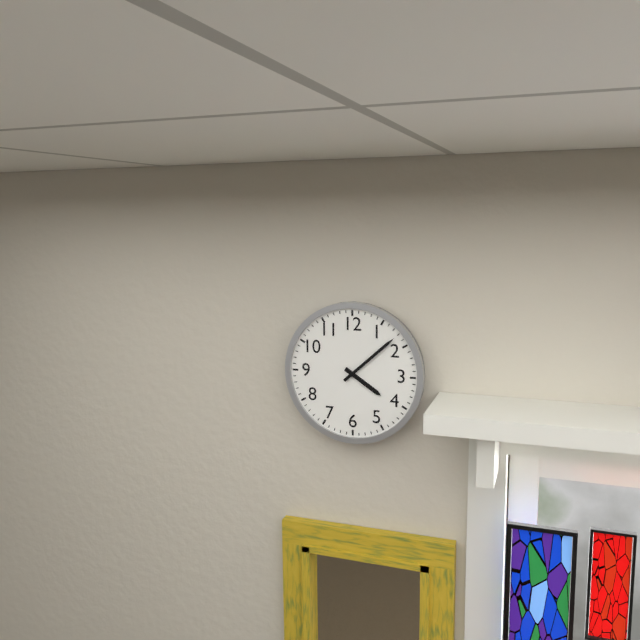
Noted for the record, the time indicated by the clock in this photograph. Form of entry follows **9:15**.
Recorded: **4:08**
